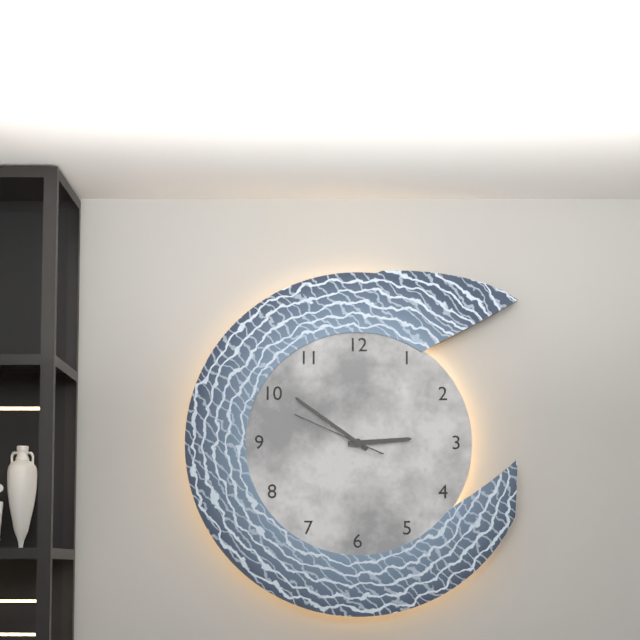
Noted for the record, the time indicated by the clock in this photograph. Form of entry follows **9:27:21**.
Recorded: **2:51:49**
